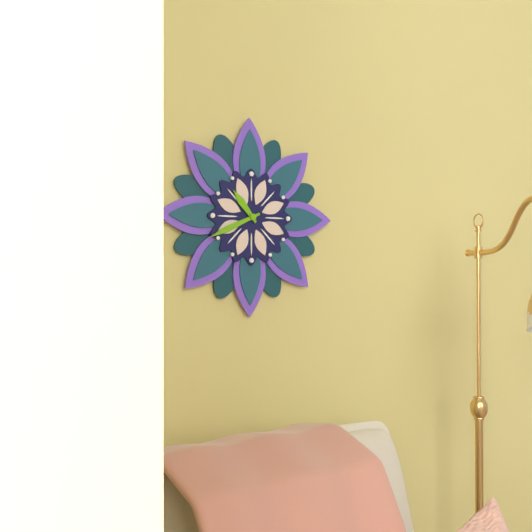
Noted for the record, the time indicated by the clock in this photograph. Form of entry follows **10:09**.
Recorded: **10:41**
